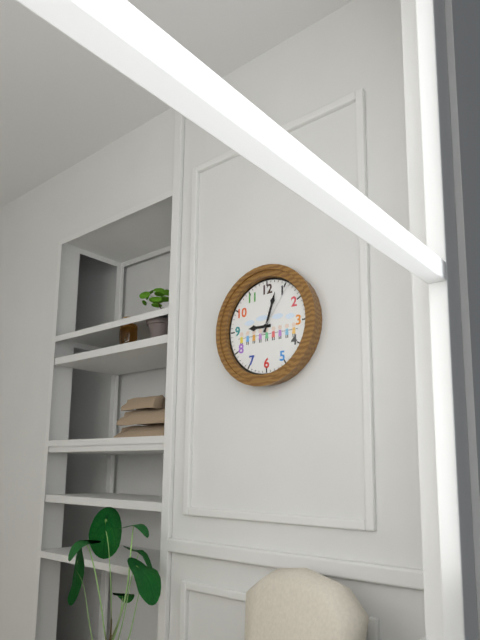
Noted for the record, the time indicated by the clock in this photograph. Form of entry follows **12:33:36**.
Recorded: **9:03:06**
